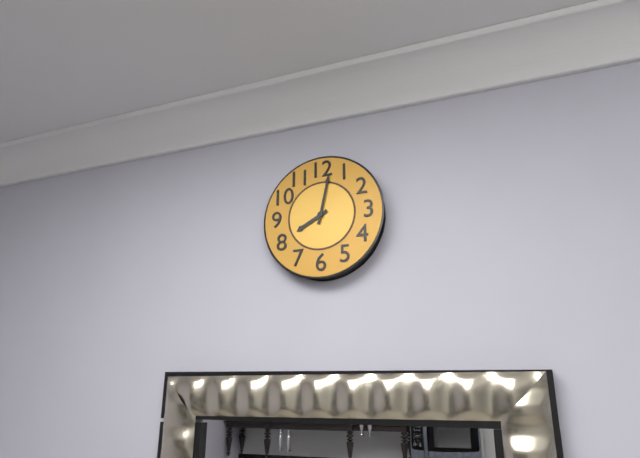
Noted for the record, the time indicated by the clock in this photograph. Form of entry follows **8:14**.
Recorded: **8:02**
